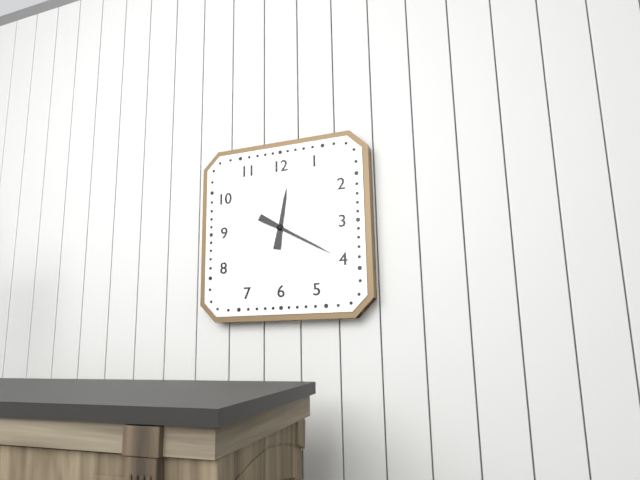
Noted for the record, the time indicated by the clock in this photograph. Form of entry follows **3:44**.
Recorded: **12:20**
